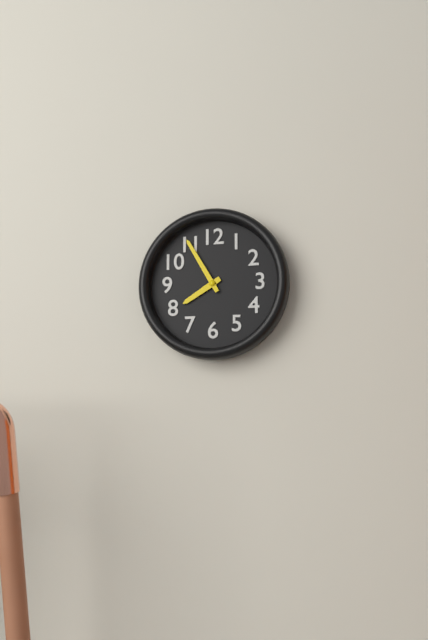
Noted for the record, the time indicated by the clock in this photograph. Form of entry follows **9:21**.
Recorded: **7:55**
